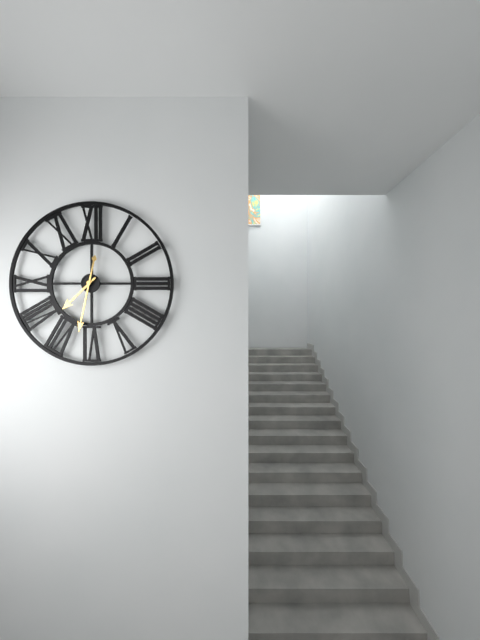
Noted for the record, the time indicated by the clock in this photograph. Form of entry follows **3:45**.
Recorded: **7:32**
